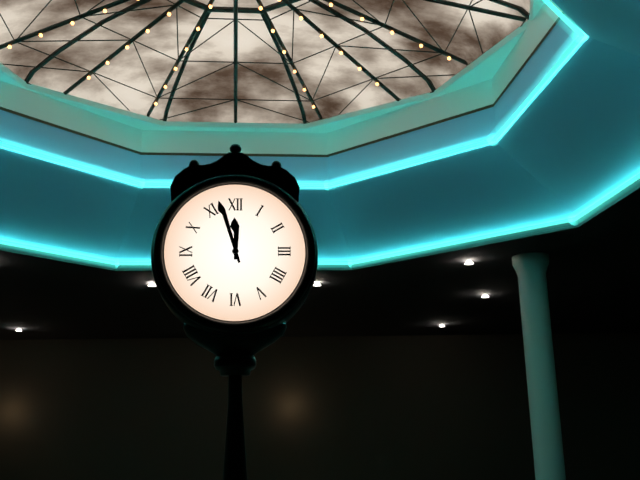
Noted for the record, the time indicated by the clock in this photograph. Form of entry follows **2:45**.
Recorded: **11:57**
